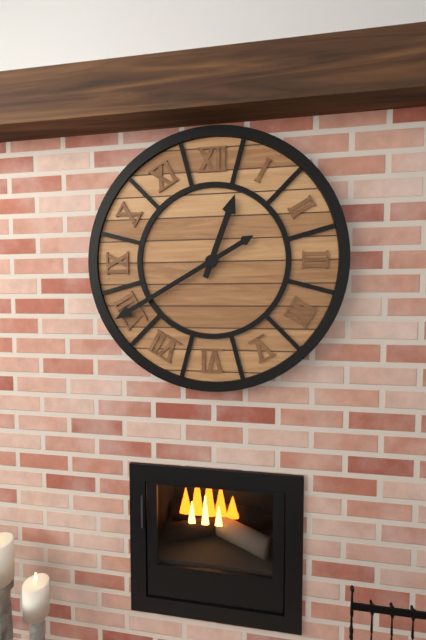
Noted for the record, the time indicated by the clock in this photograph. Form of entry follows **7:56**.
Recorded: **12:40**
